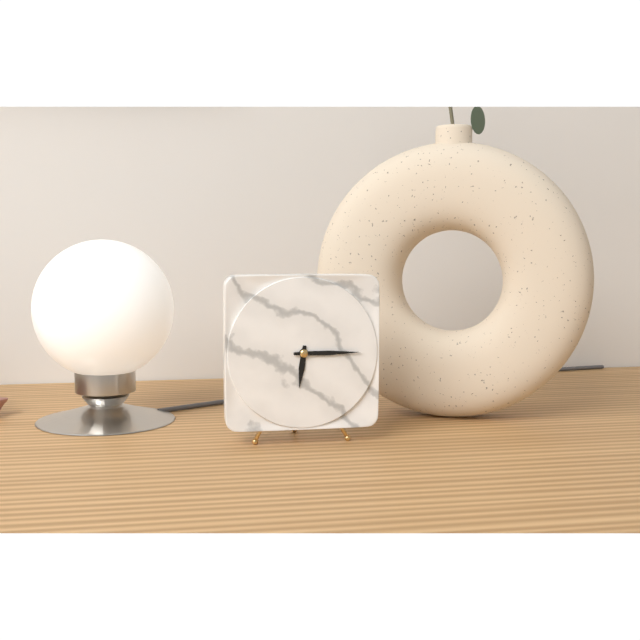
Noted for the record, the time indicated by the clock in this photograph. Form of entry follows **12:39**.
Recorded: **6:15**
